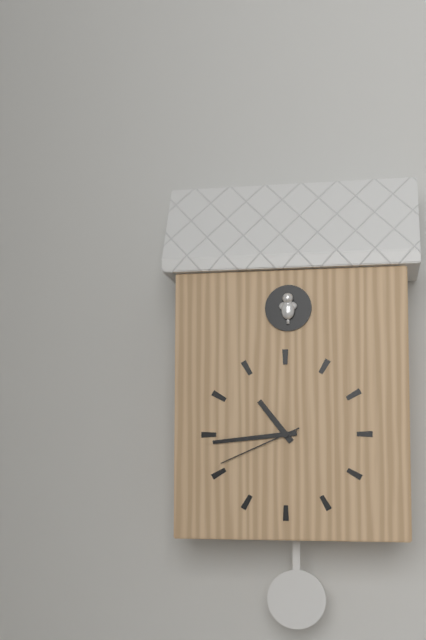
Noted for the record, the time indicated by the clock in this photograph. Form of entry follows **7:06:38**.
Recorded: **10:44:41**
